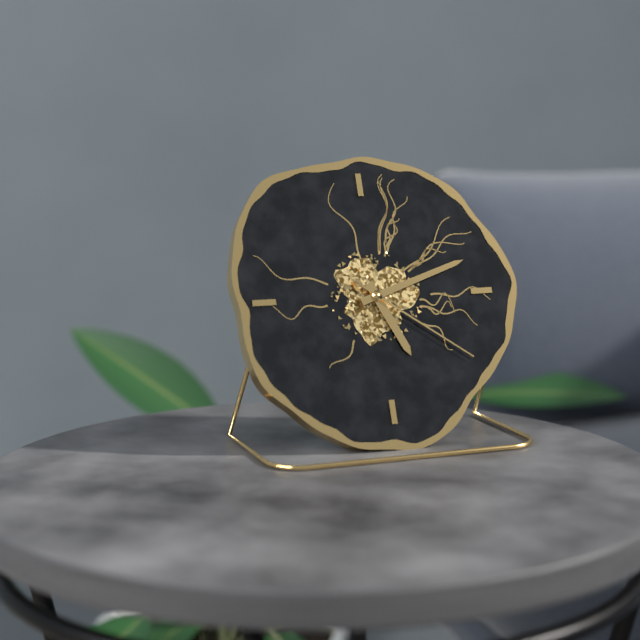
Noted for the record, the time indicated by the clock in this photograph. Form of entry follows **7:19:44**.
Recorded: **5:12:21**
